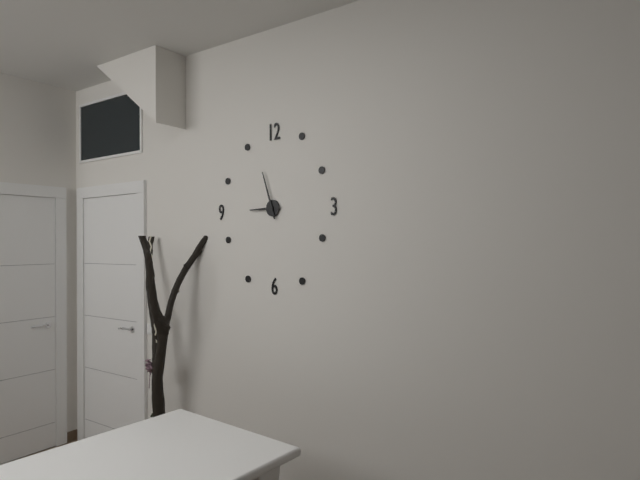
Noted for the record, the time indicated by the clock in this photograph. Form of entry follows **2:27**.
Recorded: **8:57**
